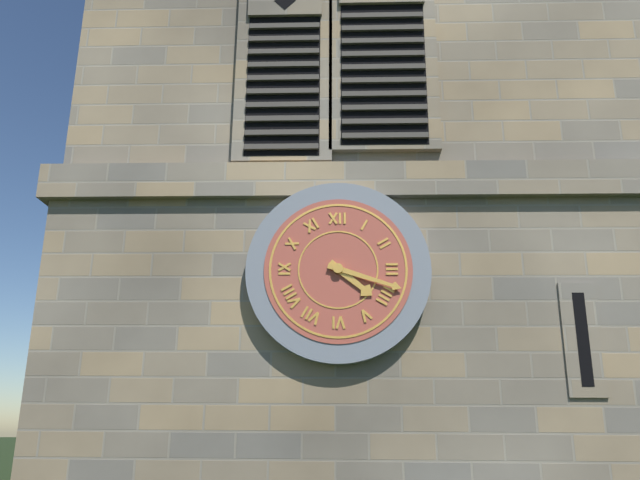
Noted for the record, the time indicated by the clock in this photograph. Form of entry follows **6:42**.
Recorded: **4:18**
